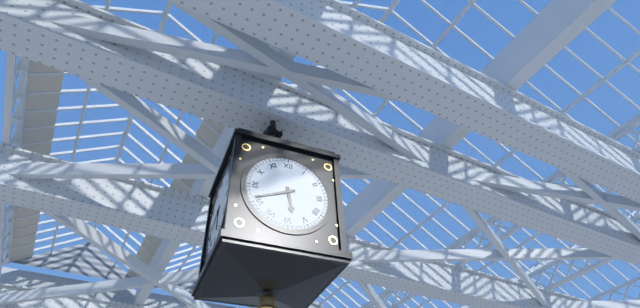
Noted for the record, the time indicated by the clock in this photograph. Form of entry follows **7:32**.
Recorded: **5:41**
